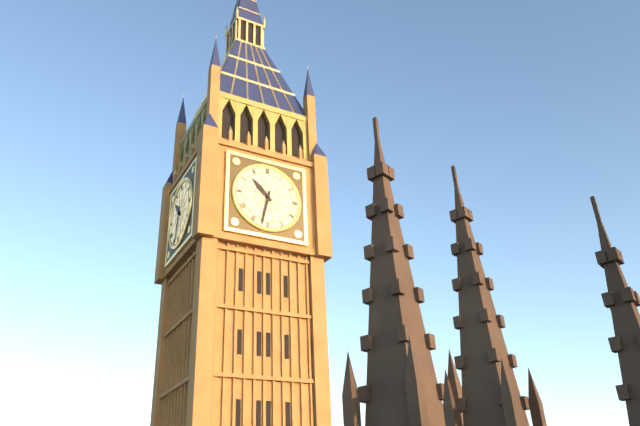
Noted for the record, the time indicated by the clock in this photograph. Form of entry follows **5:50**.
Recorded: **10:32**
